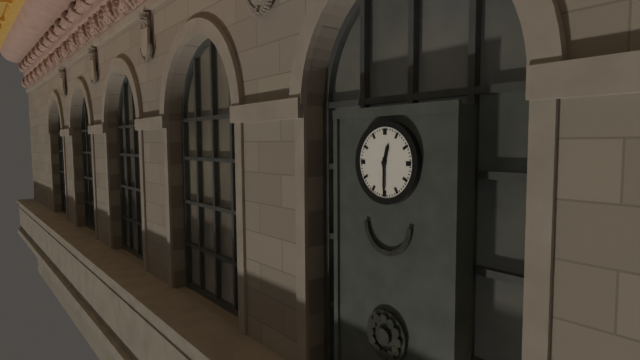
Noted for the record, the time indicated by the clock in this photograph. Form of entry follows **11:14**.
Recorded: **12:30**
